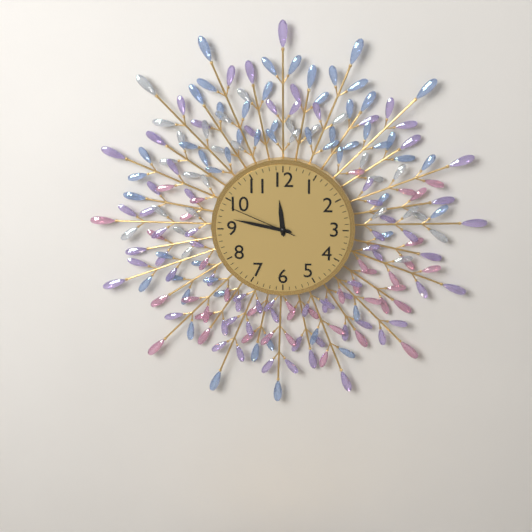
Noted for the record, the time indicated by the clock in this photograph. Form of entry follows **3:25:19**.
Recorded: **11:47:49**
